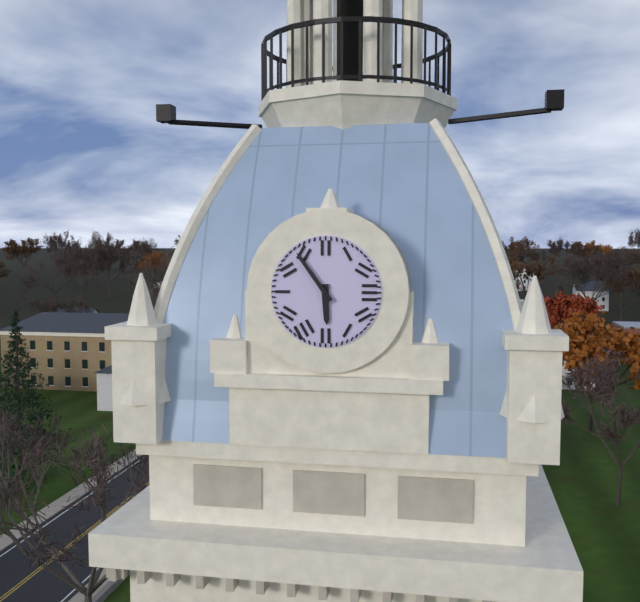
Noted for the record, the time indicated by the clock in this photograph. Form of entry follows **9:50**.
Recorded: **5:54**
